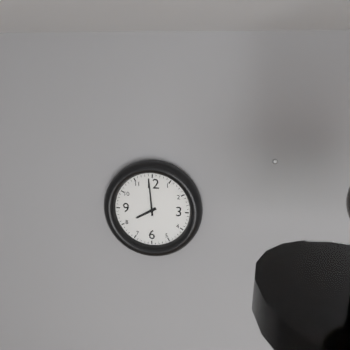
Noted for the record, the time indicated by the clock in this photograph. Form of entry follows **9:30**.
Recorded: **7:59**
